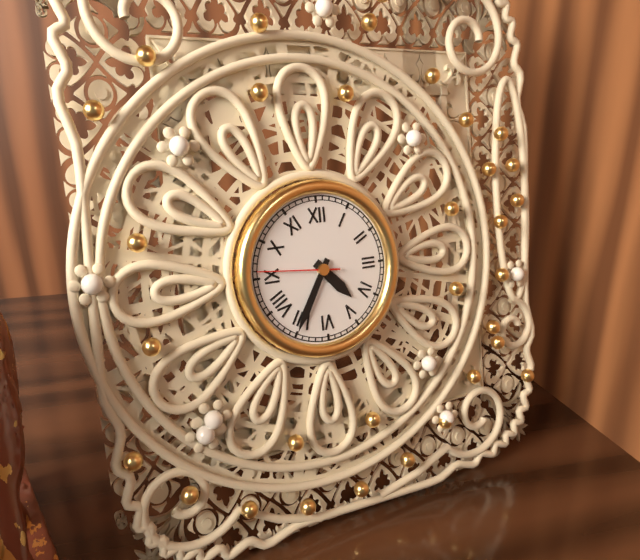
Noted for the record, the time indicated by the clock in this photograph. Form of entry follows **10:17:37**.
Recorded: **4:35:46**
